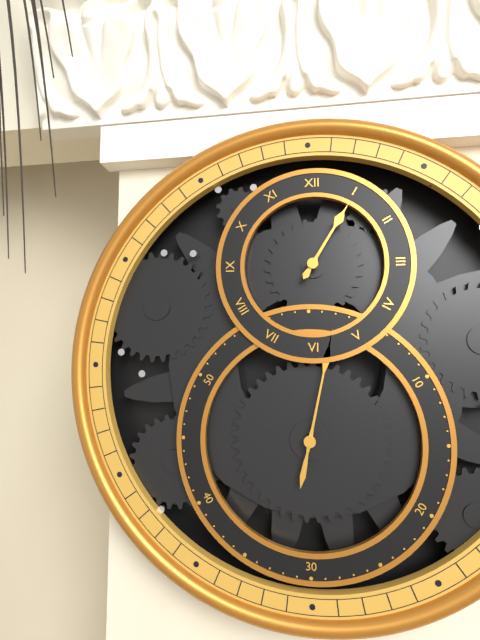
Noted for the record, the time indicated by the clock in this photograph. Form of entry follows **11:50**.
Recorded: **1:02**
